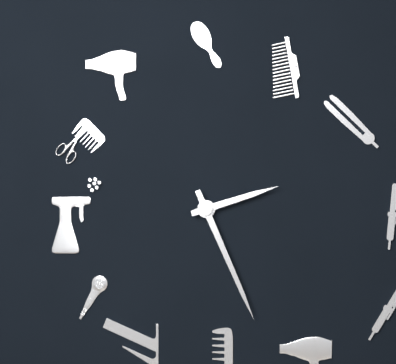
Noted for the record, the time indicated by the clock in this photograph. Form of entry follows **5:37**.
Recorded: **2:26**
